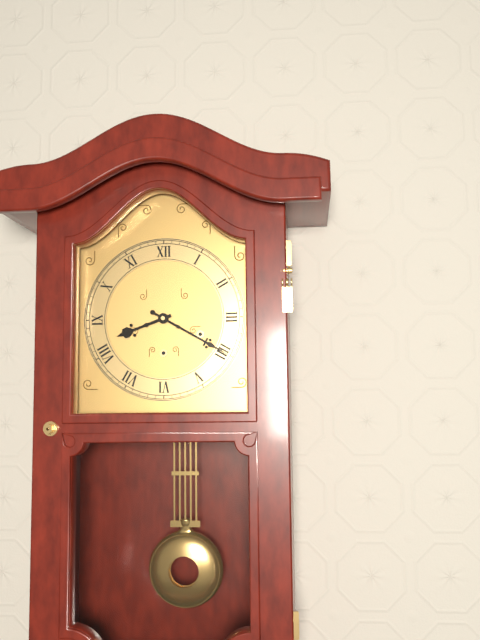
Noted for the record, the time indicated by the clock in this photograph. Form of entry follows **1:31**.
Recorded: **8:20**
